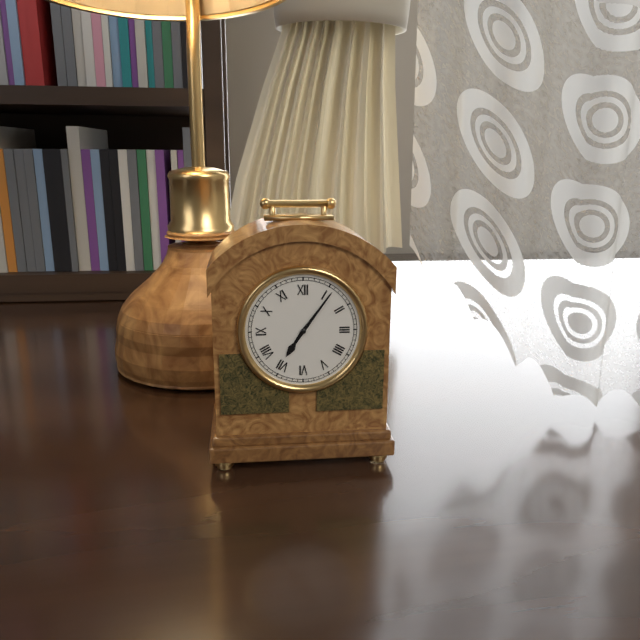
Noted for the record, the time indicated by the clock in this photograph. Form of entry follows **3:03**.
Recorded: **7:06**
